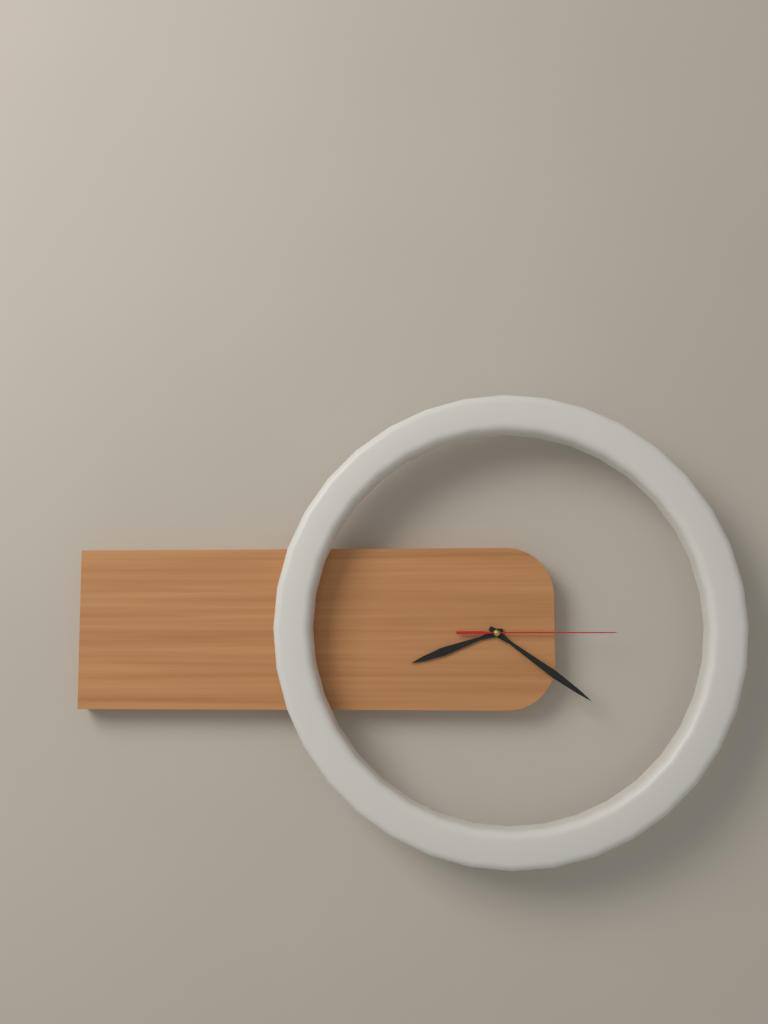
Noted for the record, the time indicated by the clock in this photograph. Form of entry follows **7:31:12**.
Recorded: **8:21:15**
